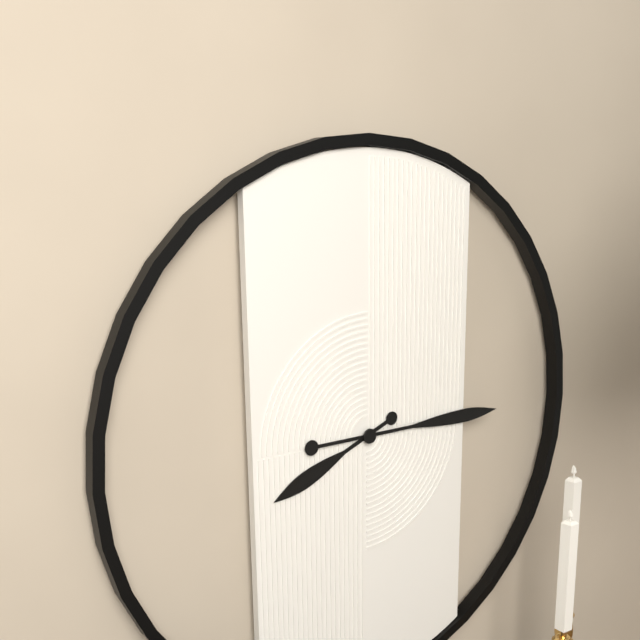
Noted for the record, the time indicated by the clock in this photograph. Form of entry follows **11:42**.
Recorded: **8:15**
